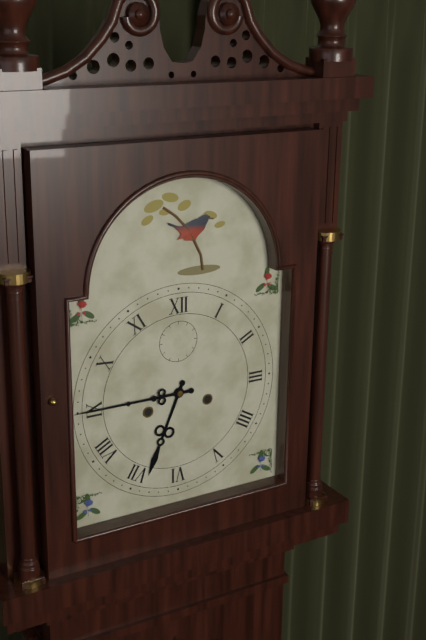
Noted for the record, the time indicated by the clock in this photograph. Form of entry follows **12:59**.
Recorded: **6:45**
